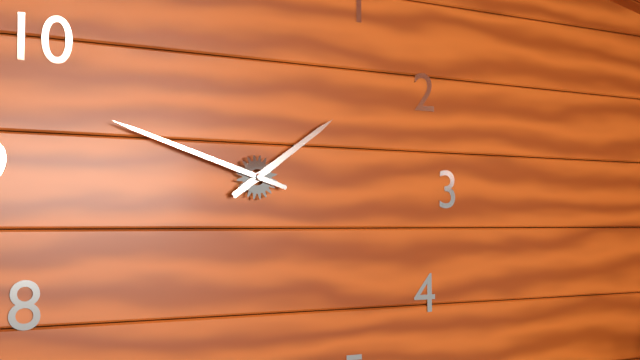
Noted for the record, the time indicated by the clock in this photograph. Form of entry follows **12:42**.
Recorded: **1:48**
